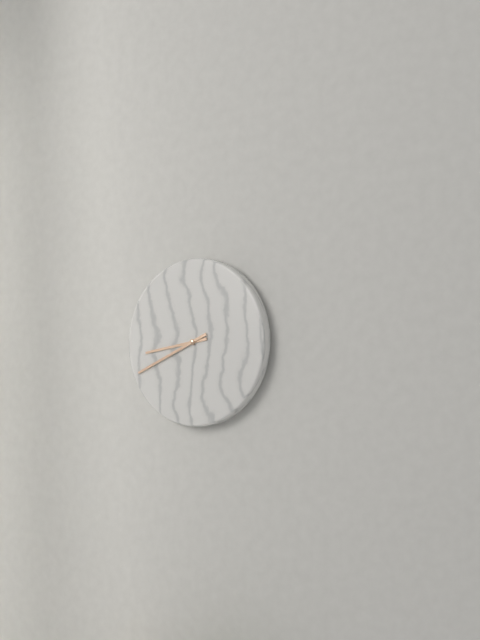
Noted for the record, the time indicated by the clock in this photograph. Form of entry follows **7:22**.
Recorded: **8:41**
